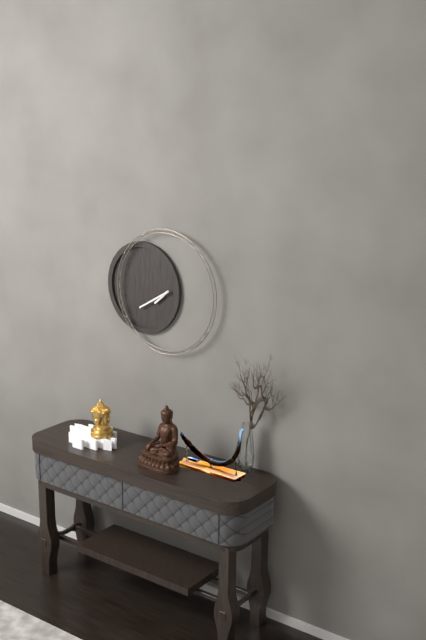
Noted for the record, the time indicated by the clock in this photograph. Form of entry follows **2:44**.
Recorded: **7:40**
